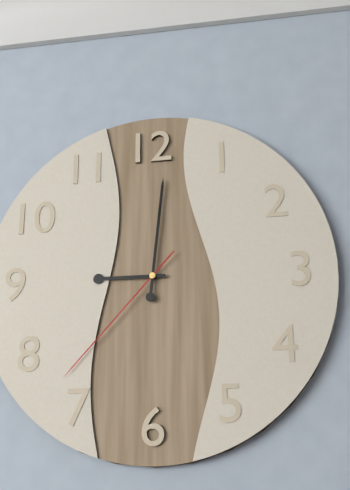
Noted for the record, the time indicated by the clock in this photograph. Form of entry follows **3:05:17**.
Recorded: **9:01:37**
